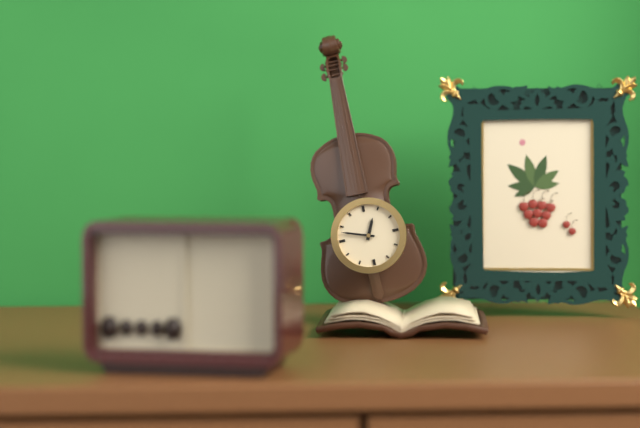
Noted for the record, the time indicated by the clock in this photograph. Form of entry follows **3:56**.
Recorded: **12:48**
